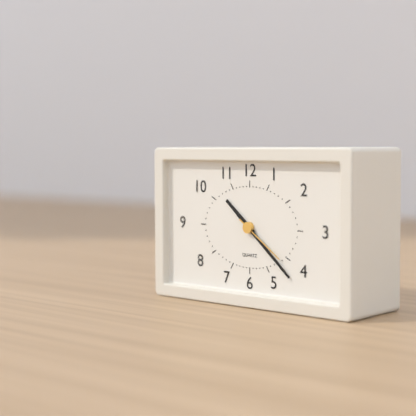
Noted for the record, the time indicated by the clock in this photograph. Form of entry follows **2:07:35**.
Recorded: **10:22:21**
